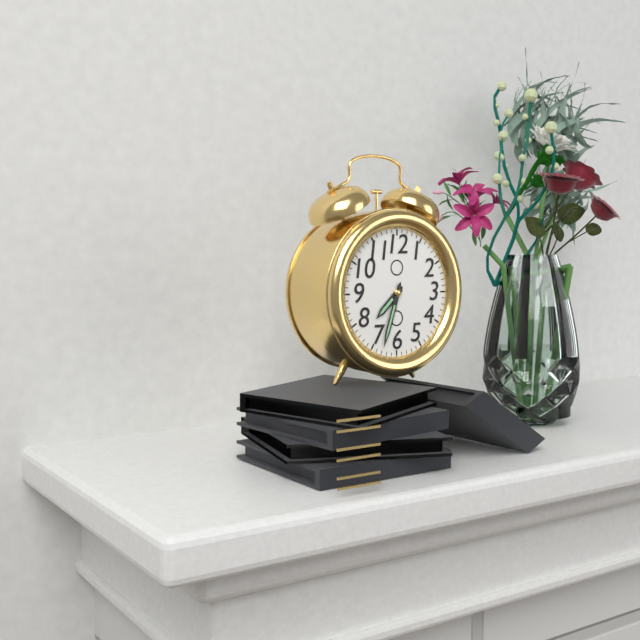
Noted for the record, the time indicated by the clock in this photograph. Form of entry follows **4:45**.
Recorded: **7:33**
